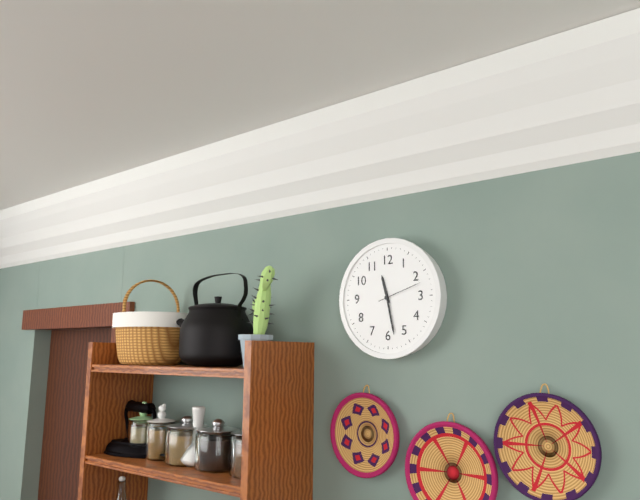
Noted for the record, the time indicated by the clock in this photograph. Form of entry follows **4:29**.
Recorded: **11:28**
